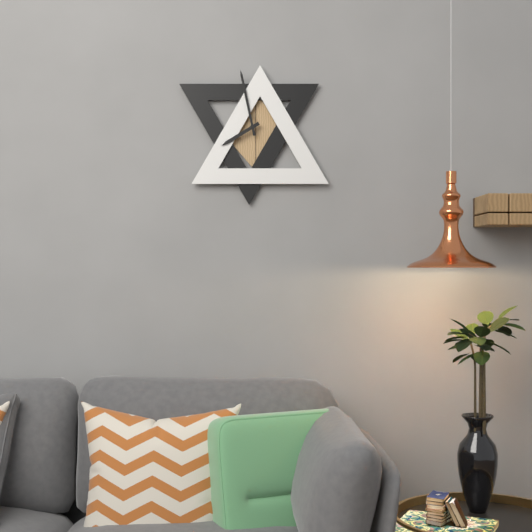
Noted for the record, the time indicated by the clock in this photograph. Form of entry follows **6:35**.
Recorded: **7:58**
